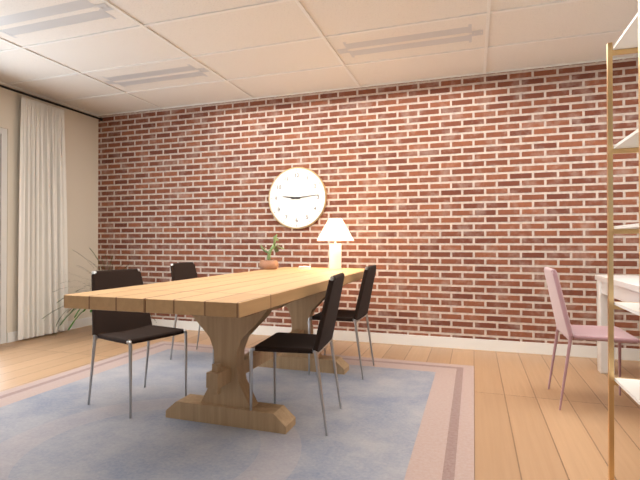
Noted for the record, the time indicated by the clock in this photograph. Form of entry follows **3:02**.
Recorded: **9:14**
